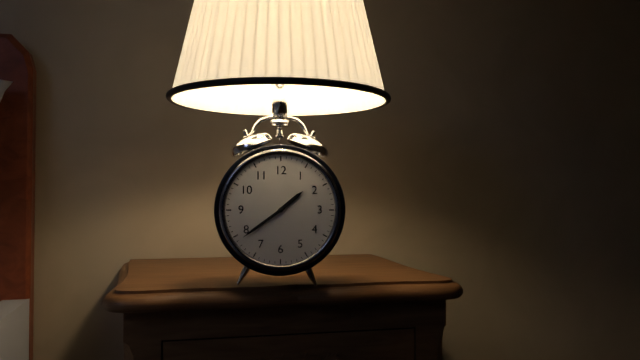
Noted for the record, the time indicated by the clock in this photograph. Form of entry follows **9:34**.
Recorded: **1:39**
